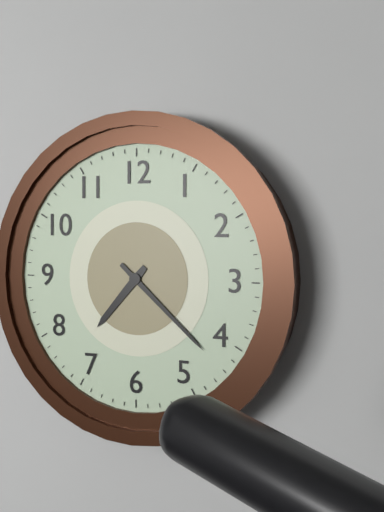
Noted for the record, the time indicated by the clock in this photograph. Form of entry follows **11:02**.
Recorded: **7:22**
